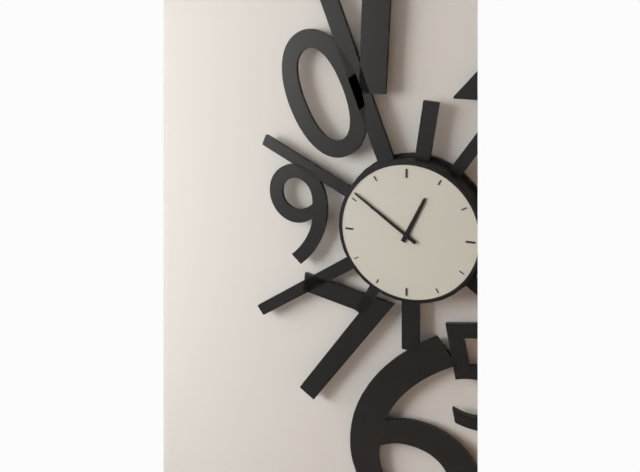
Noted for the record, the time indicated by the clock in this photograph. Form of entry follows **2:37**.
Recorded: **12:51**
